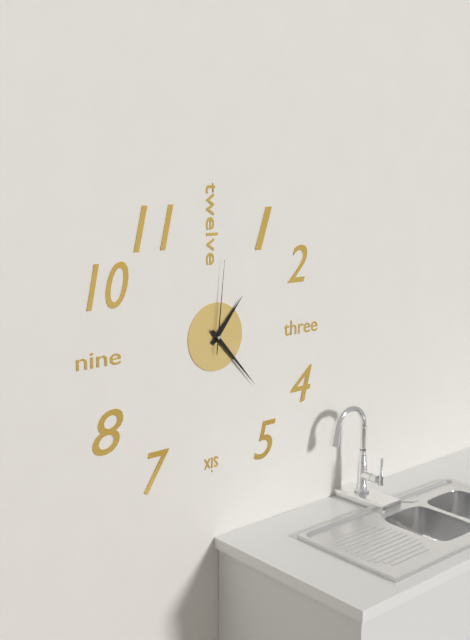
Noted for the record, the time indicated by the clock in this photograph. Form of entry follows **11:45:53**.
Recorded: **1:23:01**
